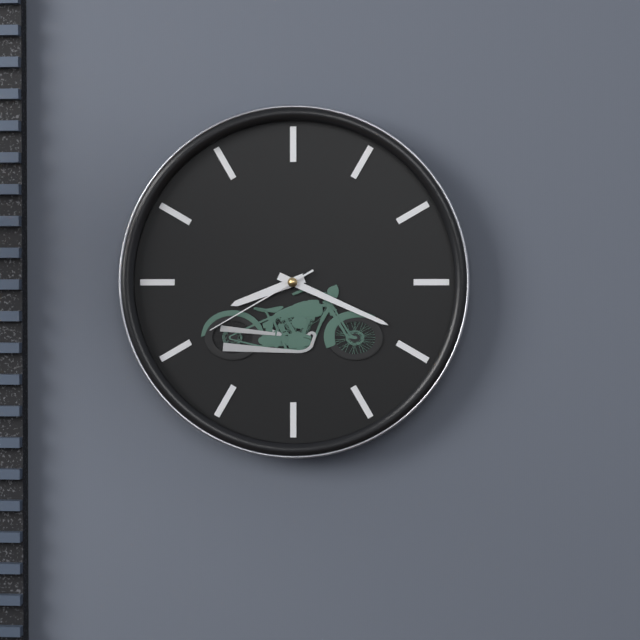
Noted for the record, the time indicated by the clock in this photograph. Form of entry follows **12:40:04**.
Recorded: **8:19:40**
